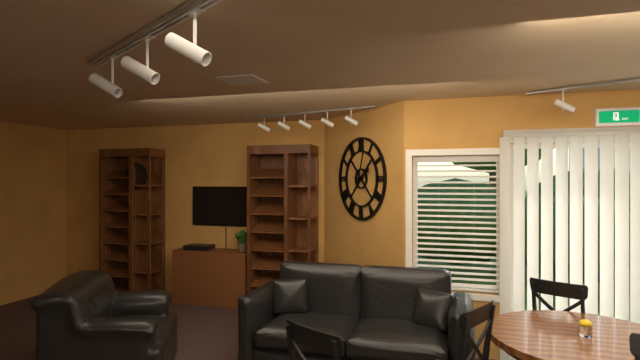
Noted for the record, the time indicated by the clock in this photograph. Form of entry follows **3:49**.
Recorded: **2:03**
